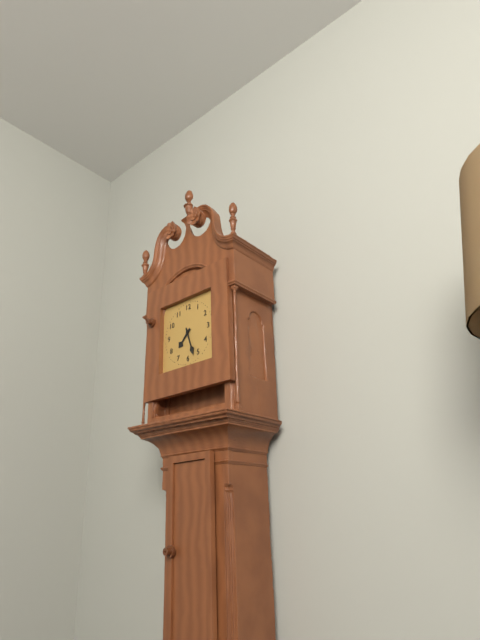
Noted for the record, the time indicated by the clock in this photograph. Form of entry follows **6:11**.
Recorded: **7:27**
